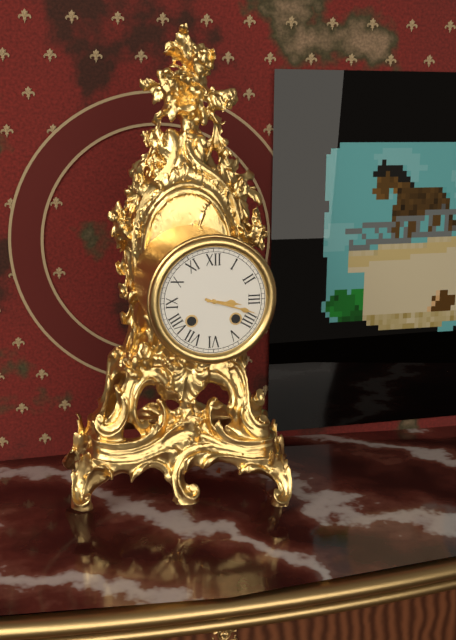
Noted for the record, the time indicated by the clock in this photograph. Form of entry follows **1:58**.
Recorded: **3:18**
